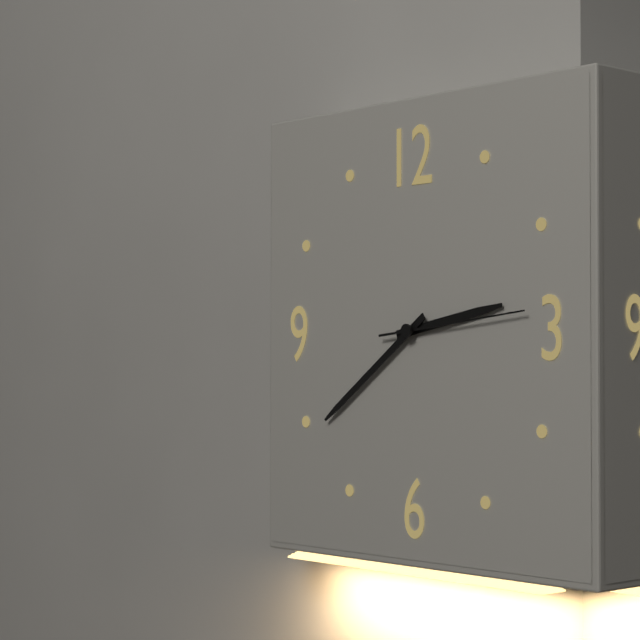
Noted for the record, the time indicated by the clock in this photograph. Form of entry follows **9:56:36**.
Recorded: **2:39:14**
